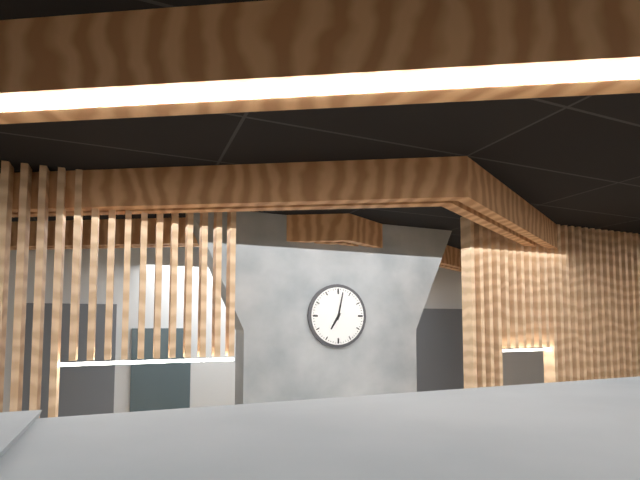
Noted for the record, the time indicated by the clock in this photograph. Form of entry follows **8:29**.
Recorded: **7:02**
